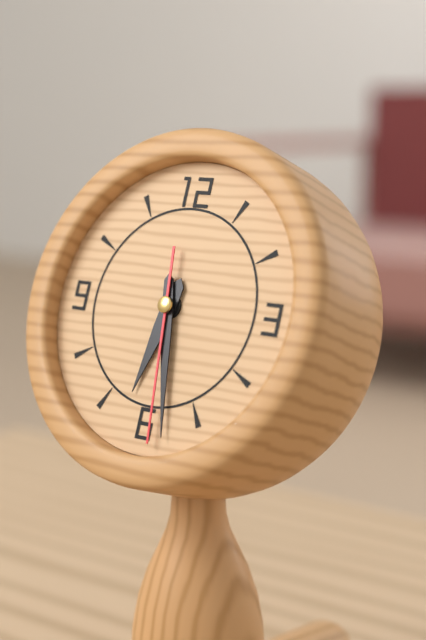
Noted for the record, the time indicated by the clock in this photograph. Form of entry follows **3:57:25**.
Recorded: **6:28:29**
